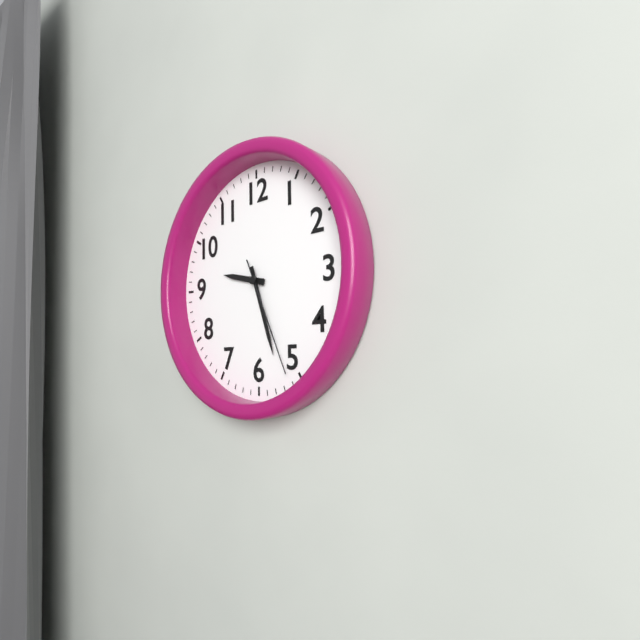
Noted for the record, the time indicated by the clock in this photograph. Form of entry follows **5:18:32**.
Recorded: **9:27:26**
